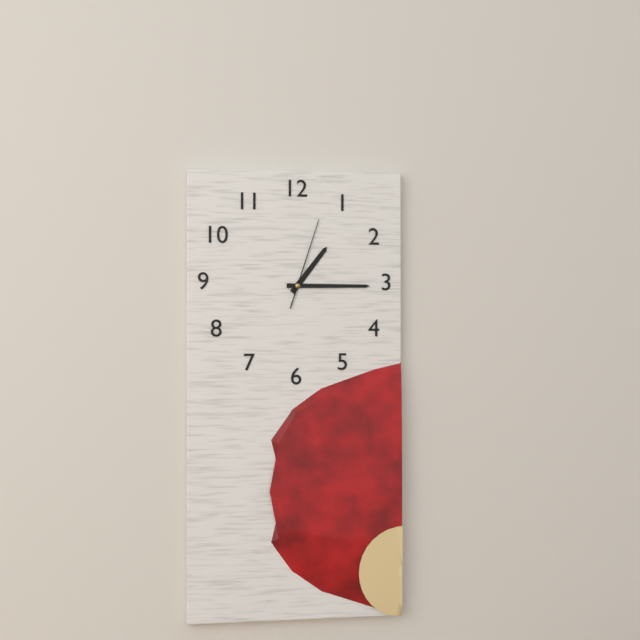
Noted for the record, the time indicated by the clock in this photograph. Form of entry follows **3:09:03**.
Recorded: **1:15:03**
